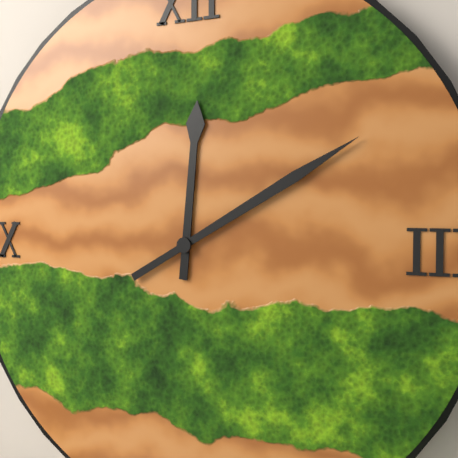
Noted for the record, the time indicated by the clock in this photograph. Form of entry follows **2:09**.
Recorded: **12:10**
